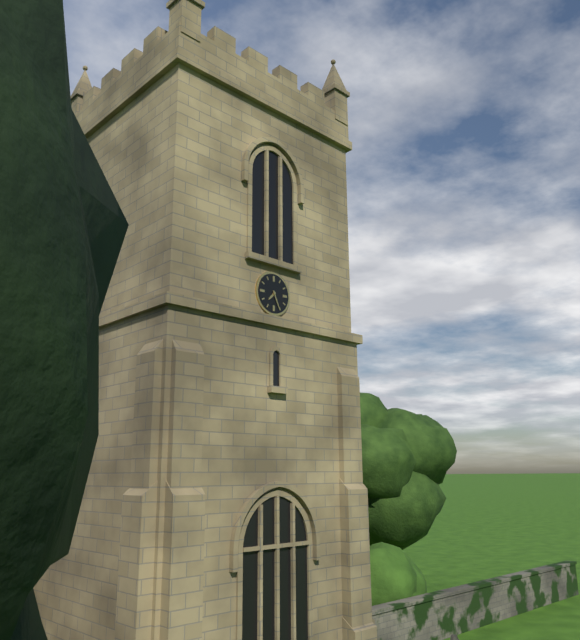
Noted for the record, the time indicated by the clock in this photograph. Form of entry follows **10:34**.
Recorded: **7:26**
